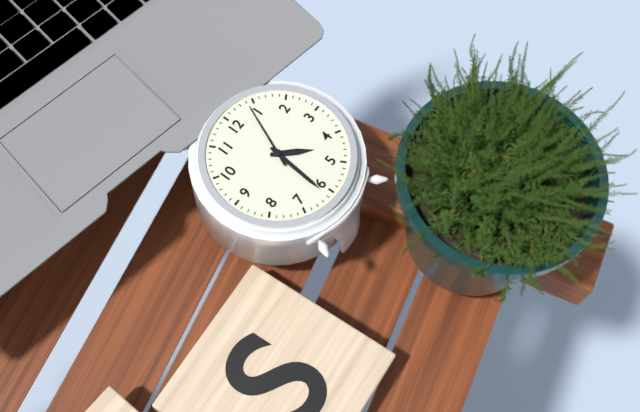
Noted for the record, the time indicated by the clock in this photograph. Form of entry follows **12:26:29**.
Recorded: **4:31:04**
